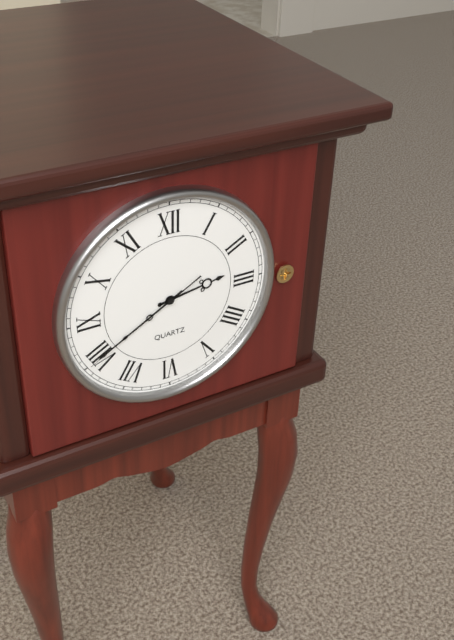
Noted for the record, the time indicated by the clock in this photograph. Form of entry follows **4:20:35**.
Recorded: **2:40:40**
